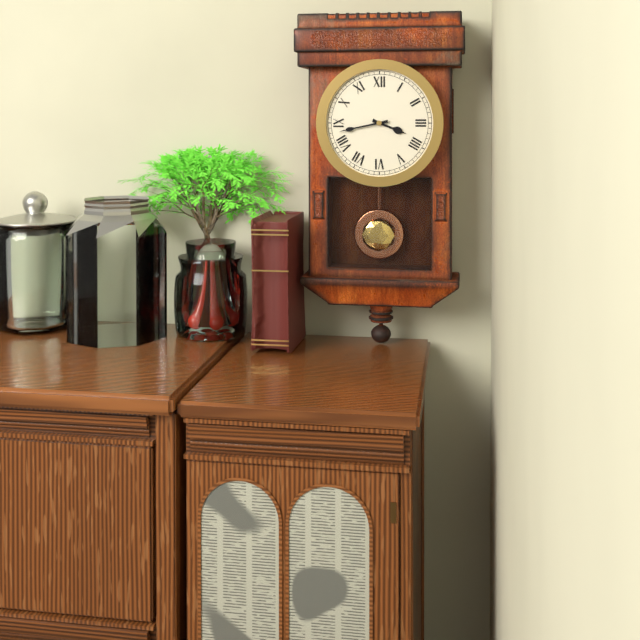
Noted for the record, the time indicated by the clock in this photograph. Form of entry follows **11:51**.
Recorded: **3:43**
